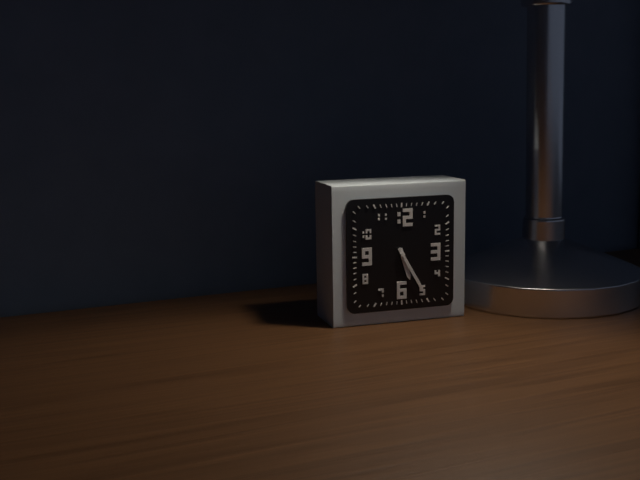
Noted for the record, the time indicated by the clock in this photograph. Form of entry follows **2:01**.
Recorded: **5:25**
